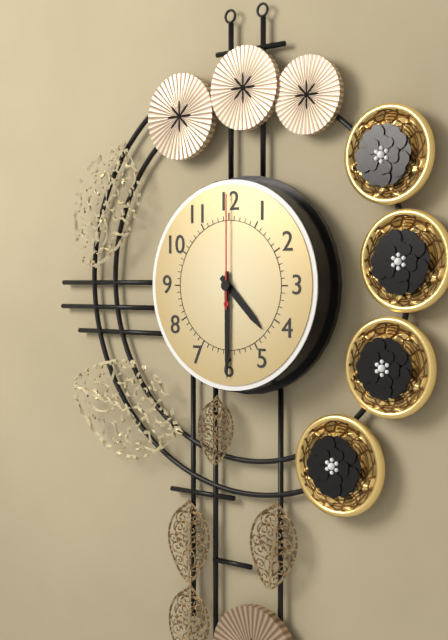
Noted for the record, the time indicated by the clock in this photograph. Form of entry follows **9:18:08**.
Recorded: **4:30:00**
